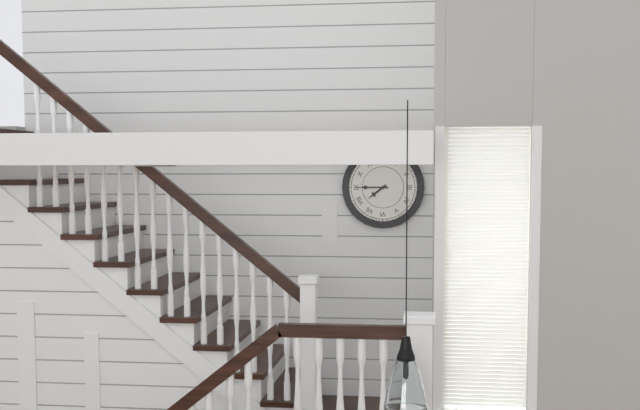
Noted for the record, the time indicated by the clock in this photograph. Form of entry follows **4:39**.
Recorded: **7:45**
